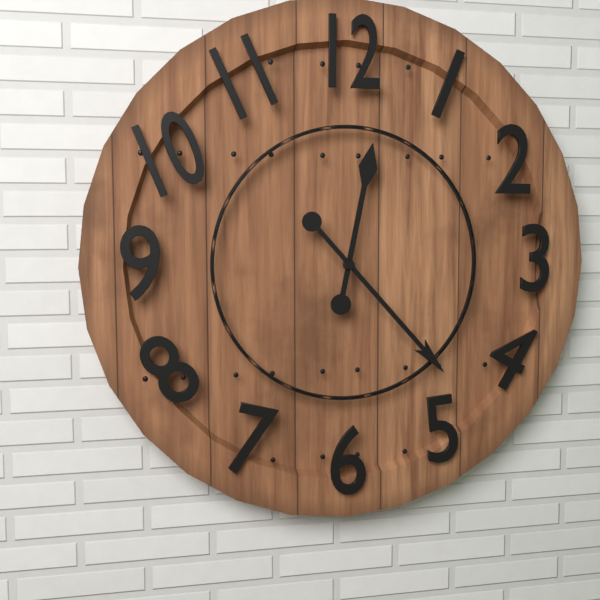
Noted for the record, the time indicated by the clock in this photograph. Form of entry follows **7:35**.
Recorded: **12:23**
